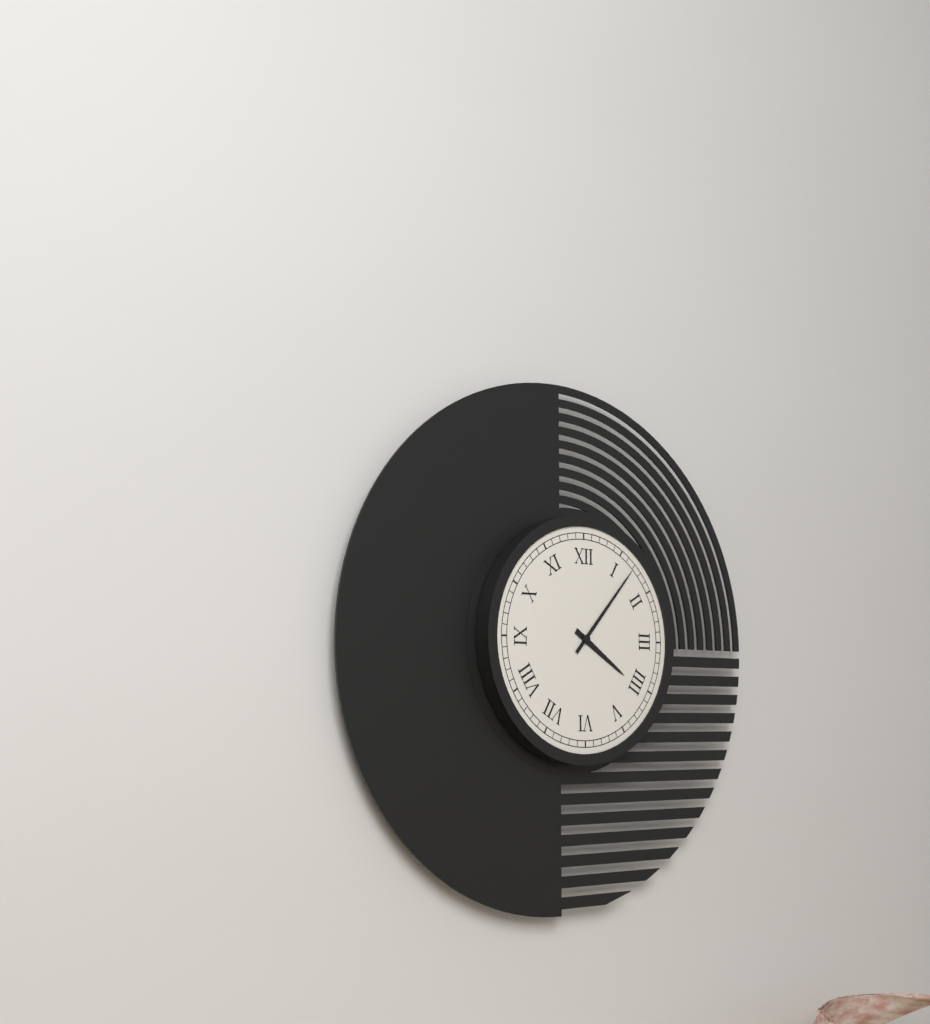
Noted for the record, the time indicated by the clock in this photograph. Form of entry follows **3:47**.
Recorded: **4:07**
